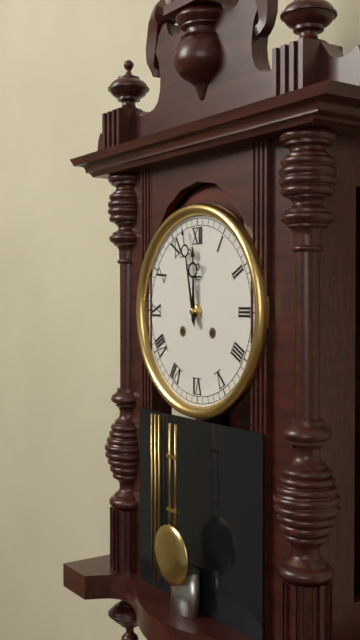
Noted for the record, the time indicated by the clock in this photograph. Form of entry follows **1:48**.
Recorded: **11:58**
